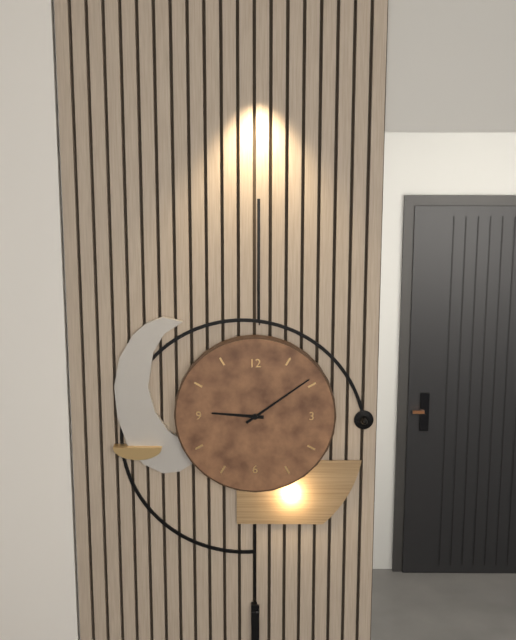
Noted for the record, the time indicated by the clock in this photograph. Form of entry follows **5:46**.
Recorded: **9:09**
